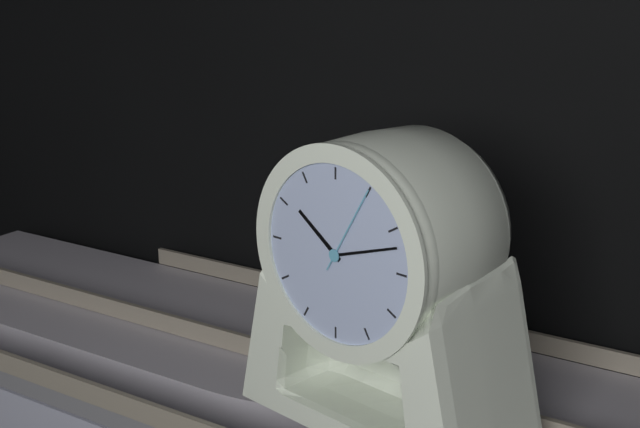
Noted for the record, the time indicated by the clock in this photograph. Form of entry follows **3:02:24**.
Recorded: **10:12:05**
